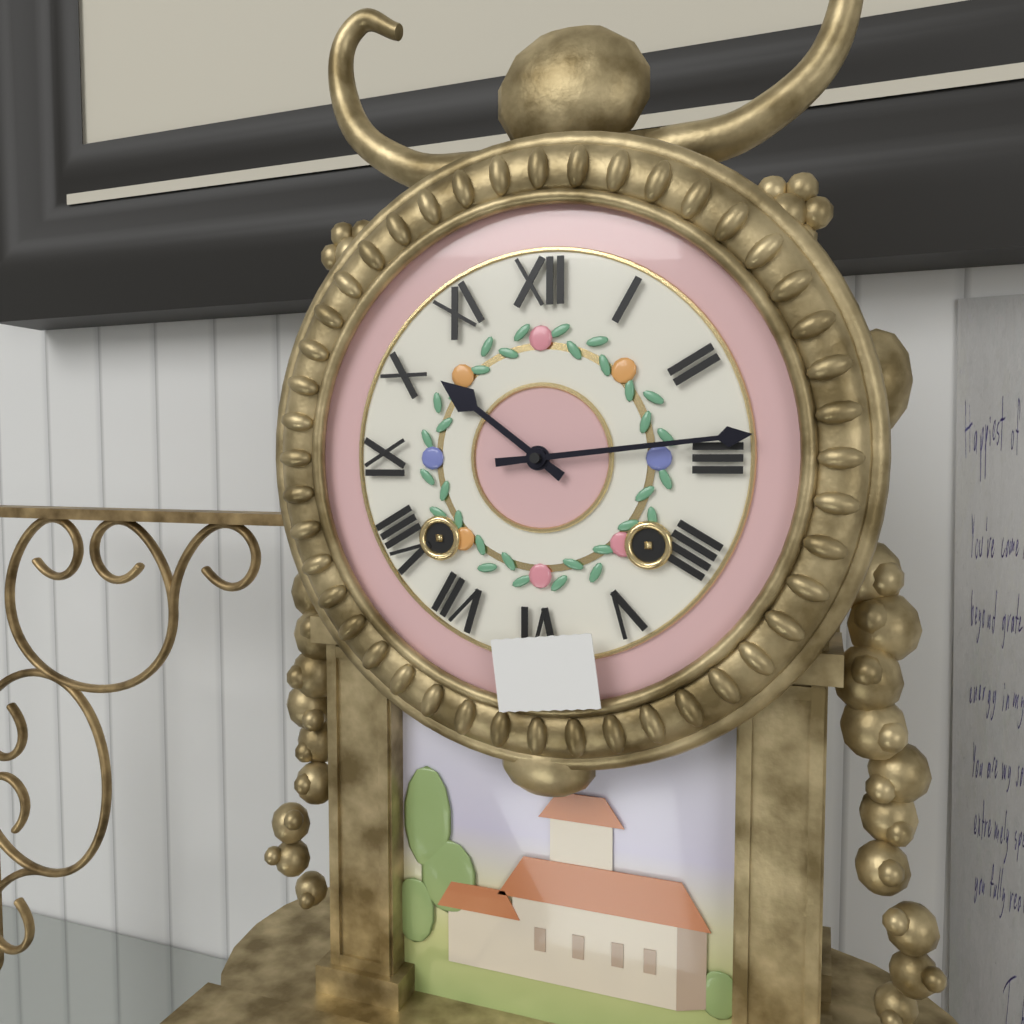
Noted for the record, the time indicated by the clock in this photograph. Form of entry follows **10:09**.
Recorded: **10:14**
